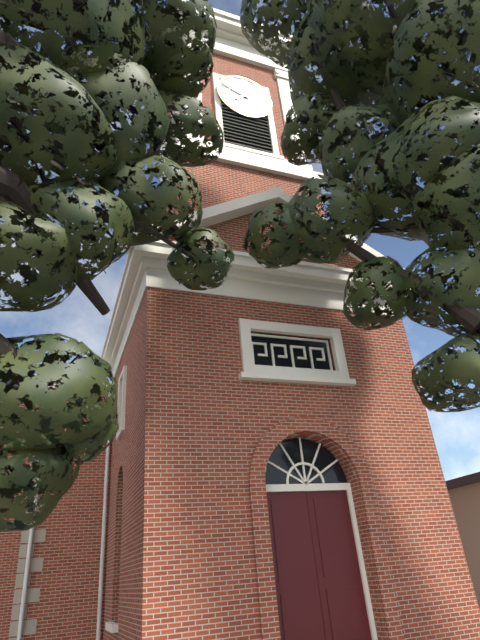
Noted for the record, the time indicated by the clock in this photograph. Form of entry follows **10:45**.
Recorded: **7:49**
